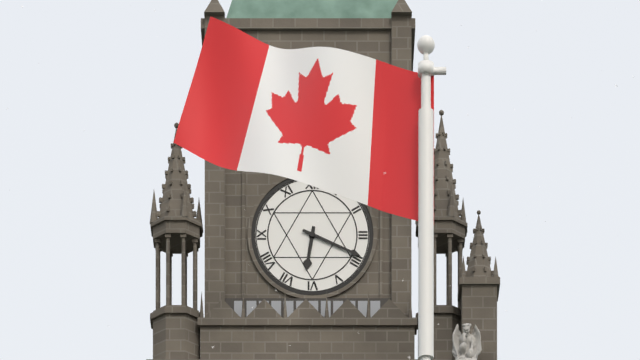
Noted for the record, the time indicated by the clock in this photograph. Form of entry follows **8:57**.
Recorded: **6:19**
